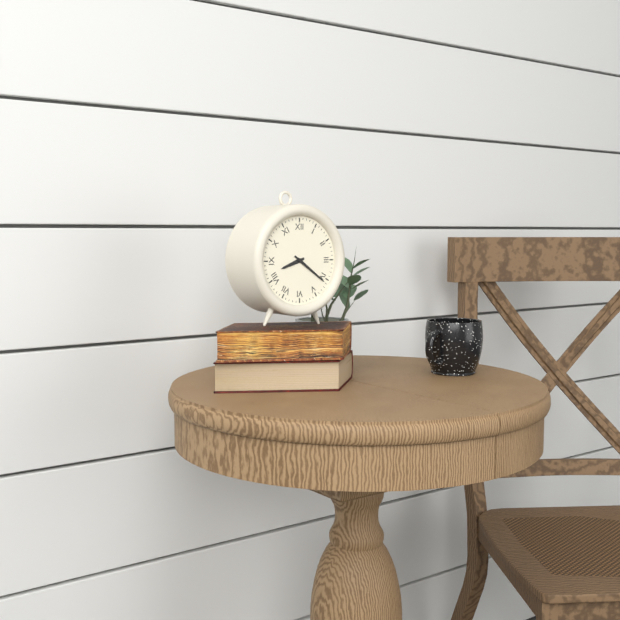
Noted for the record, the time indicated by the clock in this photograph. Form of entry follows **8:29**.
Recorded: **8:21**
